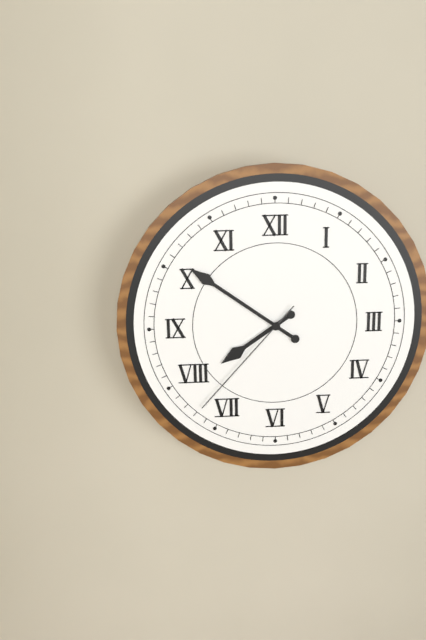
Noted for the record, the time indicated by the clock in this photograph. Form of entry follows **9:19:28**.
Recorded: **7:51:37**
